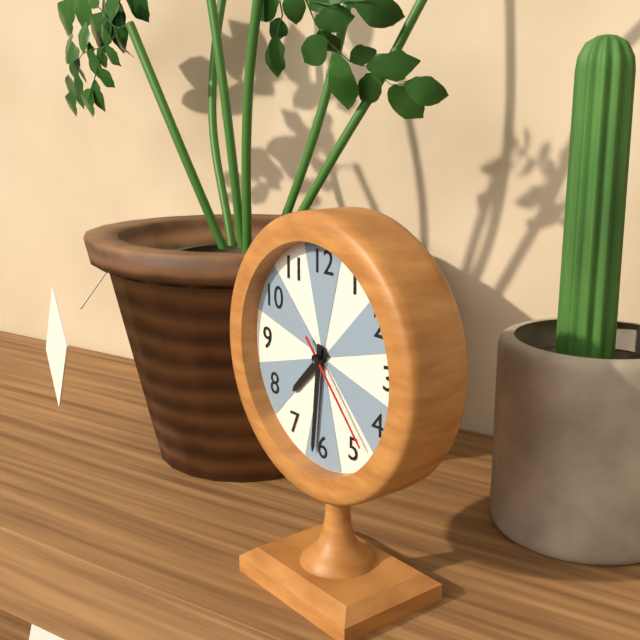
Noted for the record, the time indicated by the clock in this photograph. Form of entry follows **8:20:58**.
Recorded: **7:31:23**
